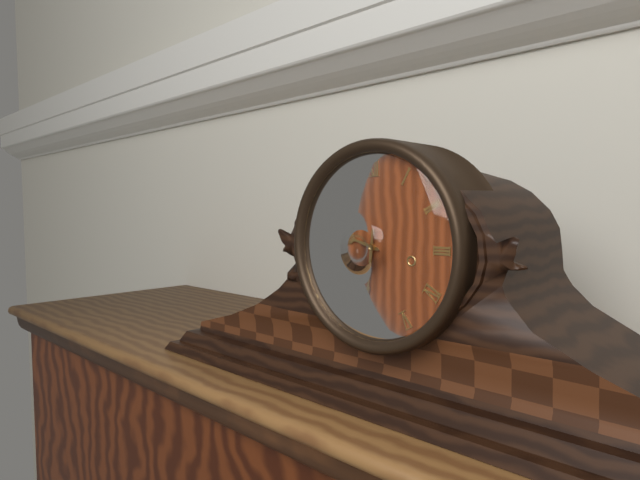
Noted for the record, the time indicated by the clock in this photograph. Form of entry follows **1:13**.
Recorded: **9:31**
